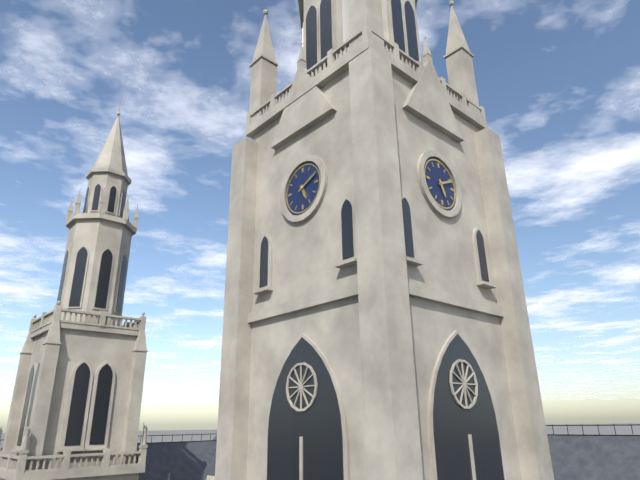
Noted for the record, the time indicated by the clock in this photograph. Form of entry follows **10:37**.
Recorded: **5:11**
